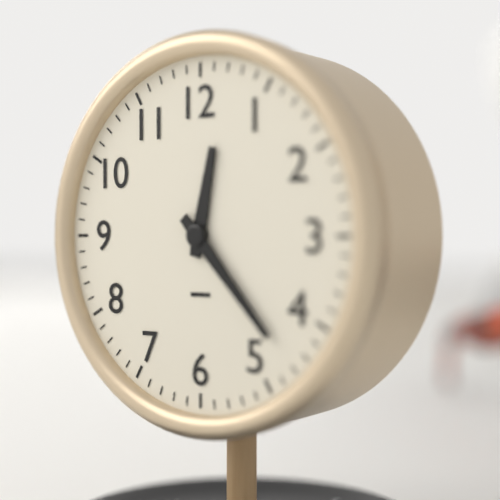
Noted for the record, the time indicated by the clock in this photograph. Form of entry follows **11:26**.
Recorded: **12:23**
